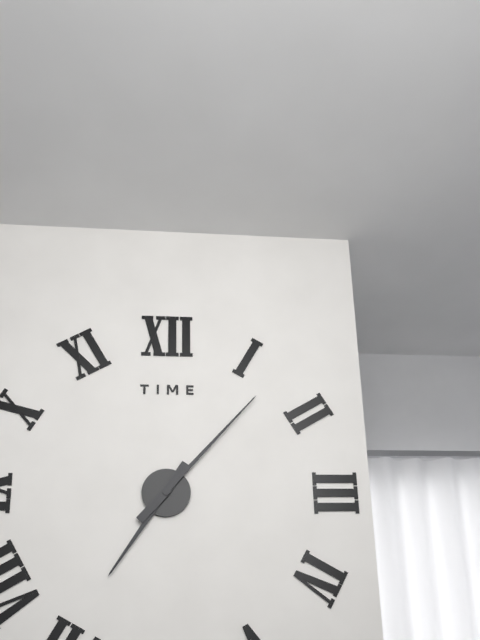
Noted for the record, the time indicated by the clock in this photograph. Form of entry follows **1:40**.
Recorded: **7:07**
